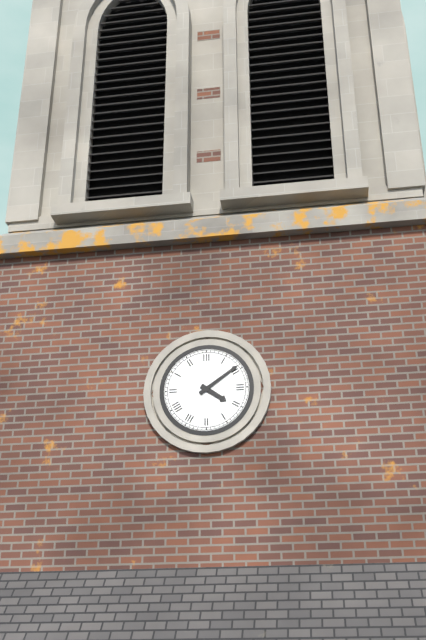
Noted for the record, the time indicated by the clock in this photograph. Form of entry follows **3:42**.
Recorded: **4:09**
